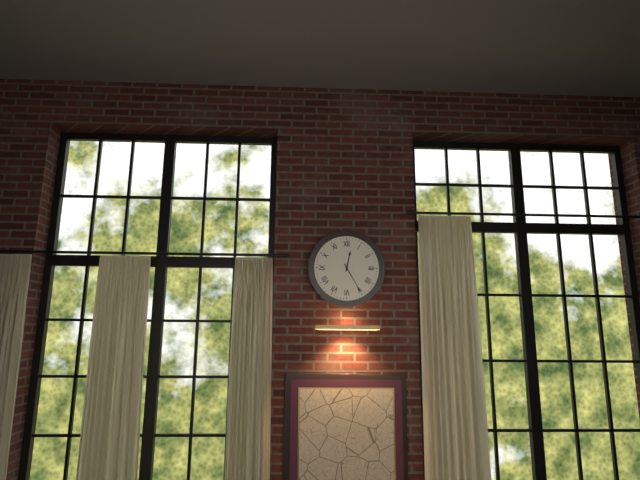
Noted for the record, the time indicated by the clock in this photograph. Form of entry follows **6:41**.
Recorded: **12:25**
